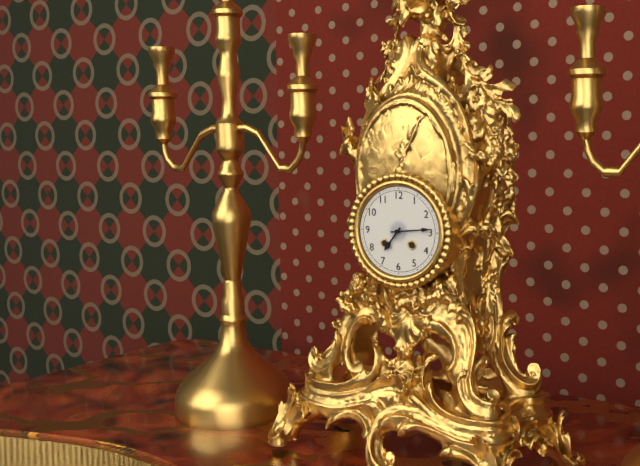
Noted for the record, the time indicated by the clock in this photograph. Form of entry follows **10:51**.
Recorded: **7:14**
